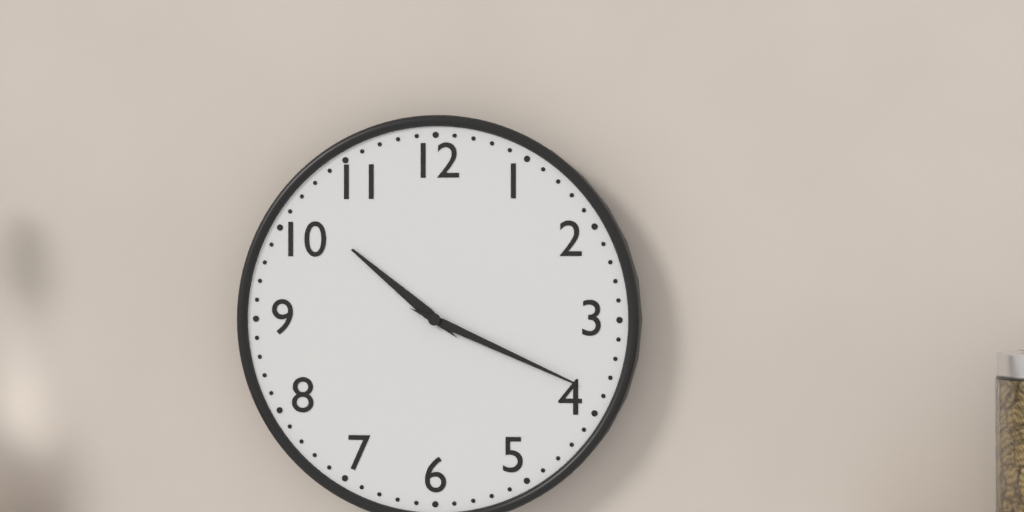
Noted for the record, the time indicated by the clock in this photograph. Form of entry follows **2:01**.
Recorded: **10:19**
